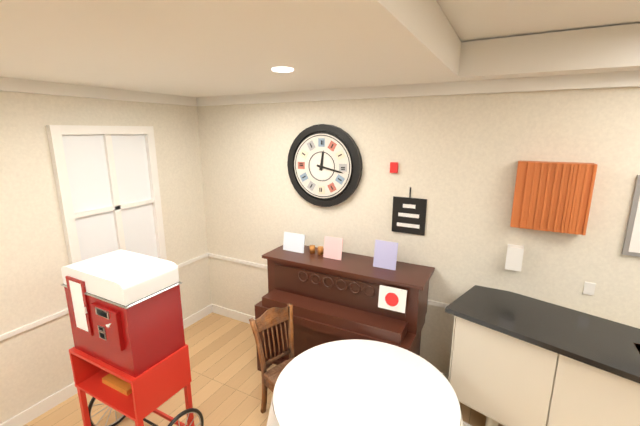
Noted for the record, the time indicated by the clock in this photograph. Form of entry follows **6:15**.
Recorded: **12:17**
